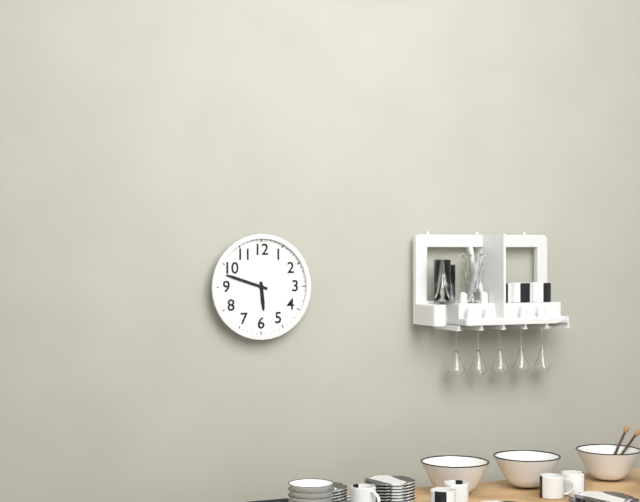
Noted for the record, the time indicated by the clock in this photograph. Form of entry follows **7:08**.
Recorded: **5:48**
